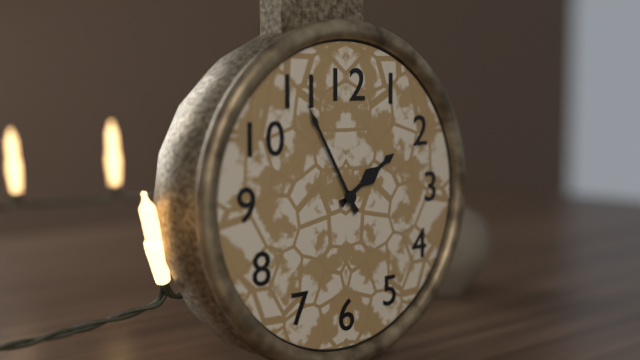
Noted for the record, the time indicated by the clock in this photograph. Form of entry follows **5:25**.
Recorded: **1:55**
